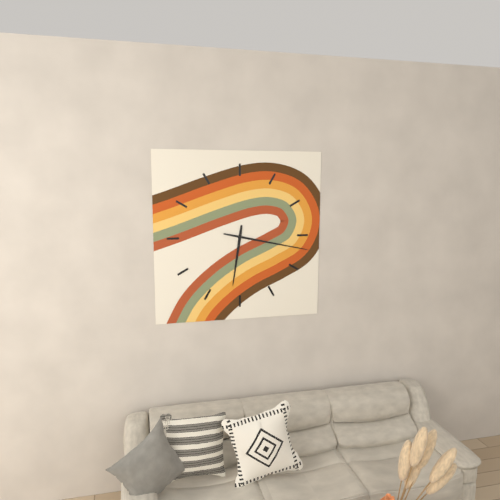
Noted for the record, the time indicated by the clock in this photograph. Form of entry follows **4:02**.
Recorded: **6:17**
